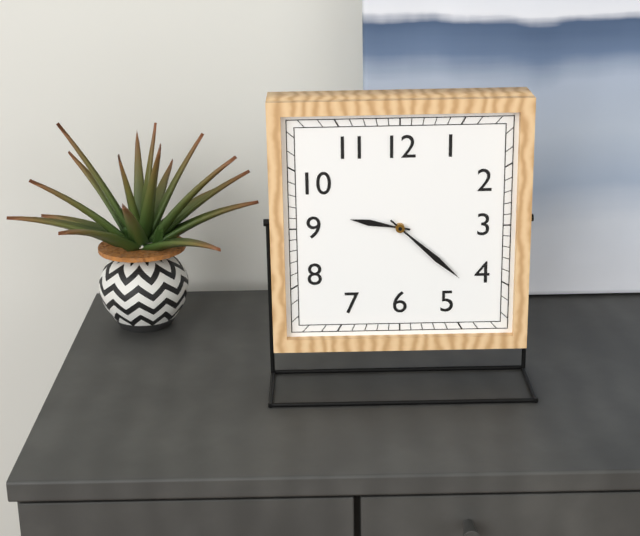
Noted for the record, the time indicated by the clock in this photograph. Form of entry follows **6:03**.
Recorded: **9:22**
